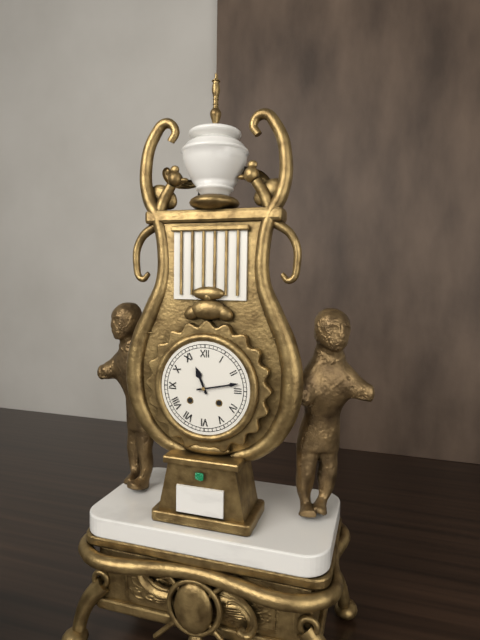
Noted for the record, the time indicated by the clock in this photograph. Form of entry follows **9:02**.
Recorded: **11:13**
